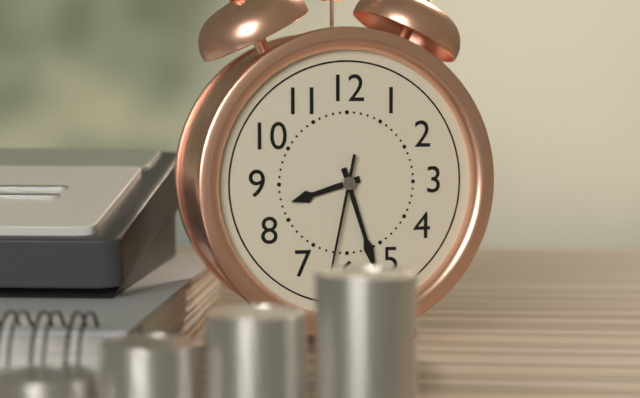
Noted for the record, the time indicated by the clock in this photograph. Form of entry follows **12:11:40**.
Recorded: **8:27:32**
